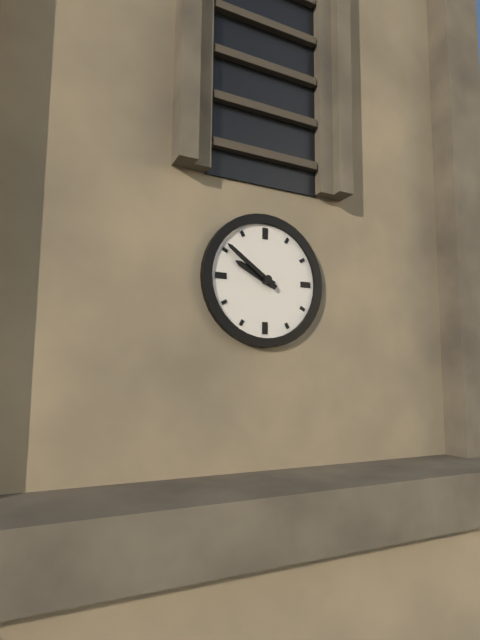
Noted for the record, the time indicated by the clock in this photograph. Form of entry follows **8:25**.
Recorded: **9:51**
